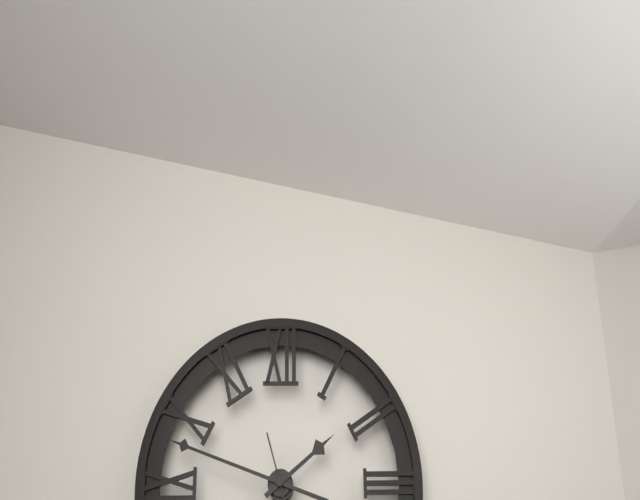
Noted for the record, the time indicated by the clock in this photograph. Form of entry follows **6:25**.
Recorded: **1:48**
